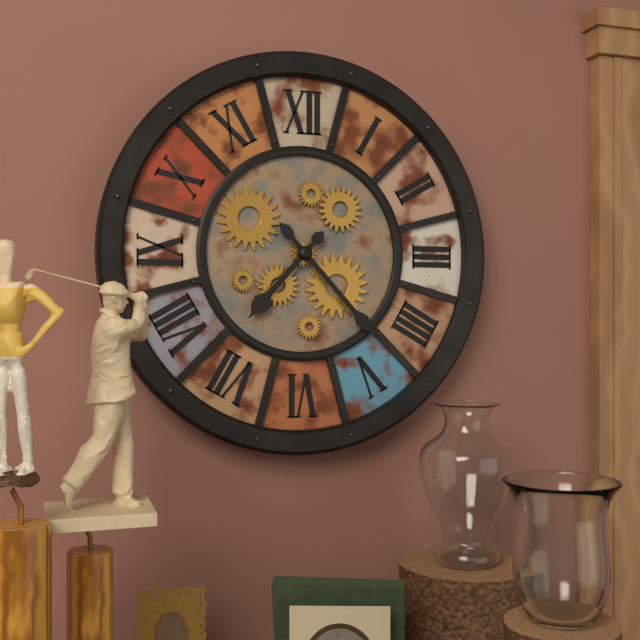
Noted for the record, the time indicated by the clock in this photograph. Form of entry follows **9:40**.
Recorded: **7:23**
